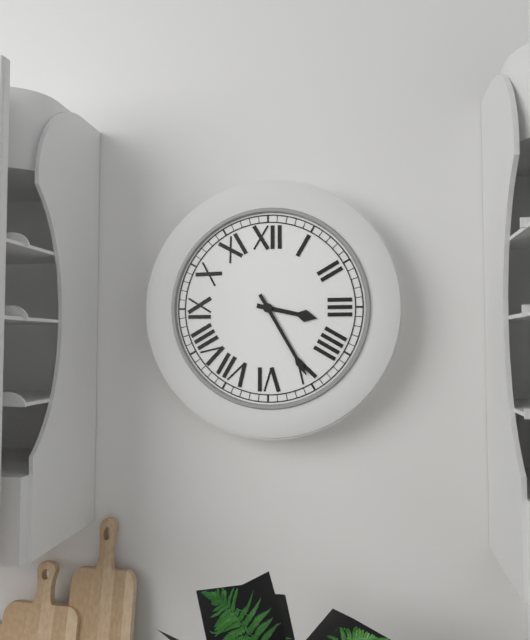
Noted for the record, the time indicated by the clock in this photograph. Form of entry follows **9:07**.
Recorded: **3:25**
